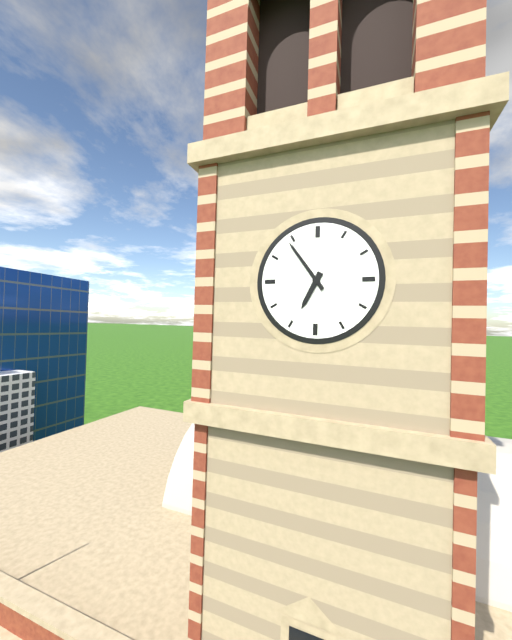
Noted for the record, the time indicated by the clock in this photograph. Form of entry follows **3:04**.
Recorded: **6:54**
